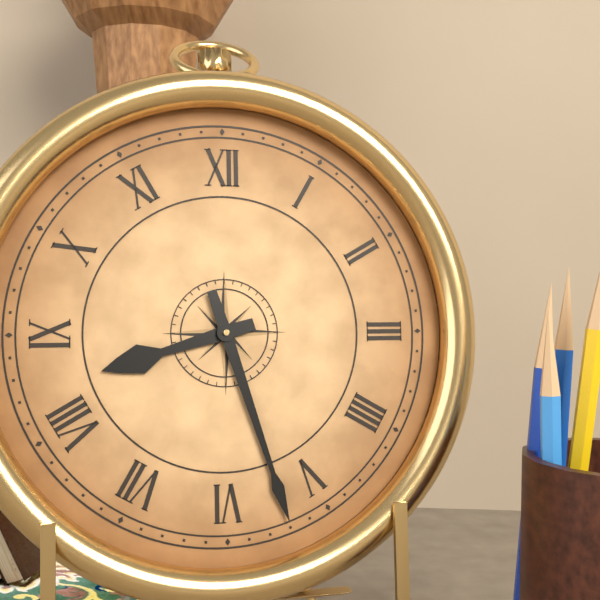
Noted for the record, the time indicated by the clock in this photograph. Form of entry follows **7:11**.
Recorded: **8:27**
